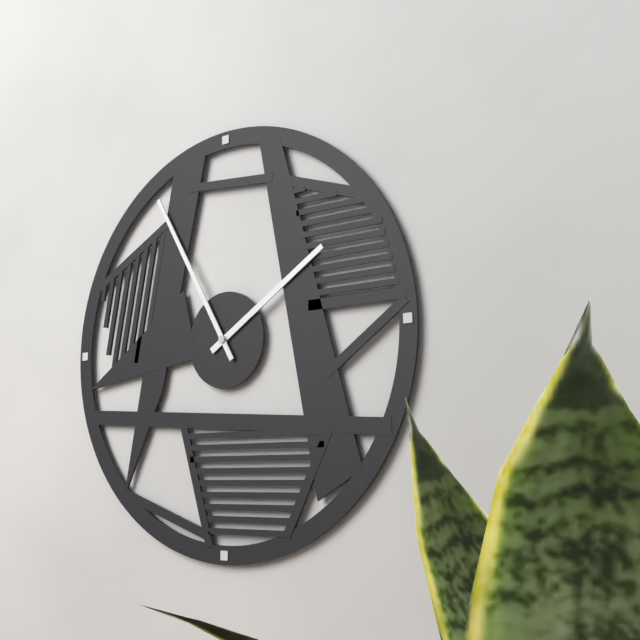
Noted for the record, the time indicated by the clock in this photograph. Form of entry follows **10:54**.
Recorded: **1:55**
